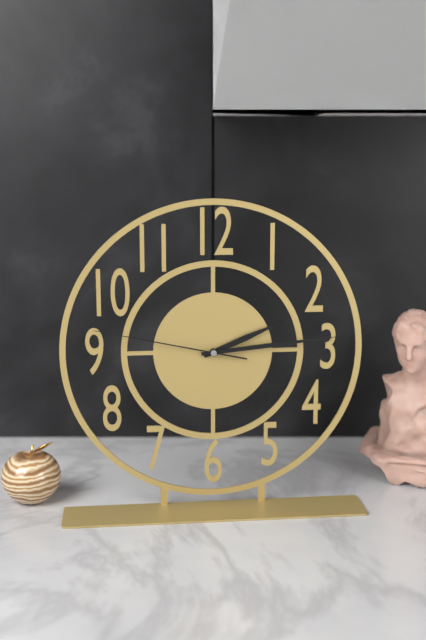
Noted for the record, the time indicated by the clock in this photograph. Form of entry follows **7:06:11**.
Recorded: **2:14:47**
